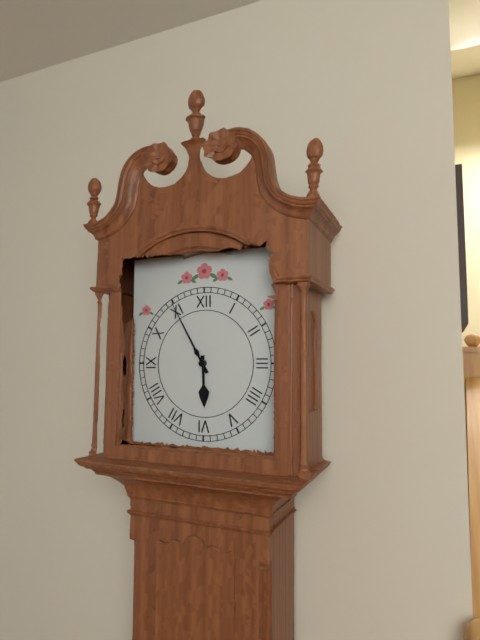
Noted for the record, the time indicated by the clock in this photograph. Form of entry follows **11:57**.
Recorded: **5:55**
